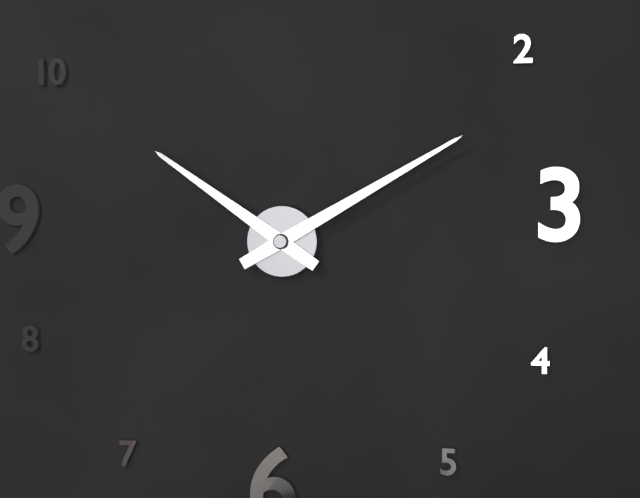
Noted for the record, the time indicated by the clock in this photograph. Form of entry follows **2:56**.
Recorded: **10:10**
